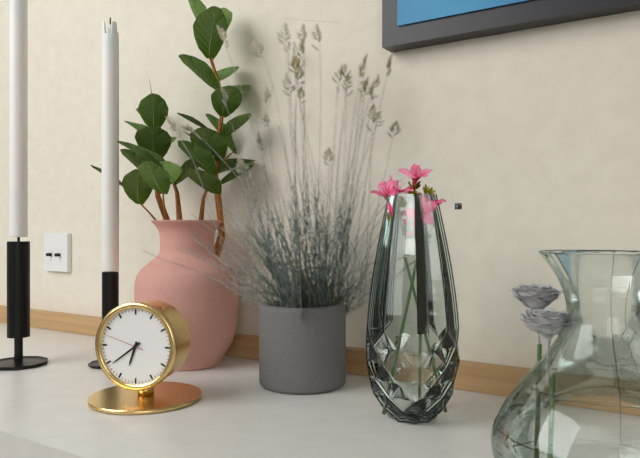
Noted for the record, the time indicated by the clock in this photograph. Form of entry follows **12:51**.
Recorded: **6:39**
